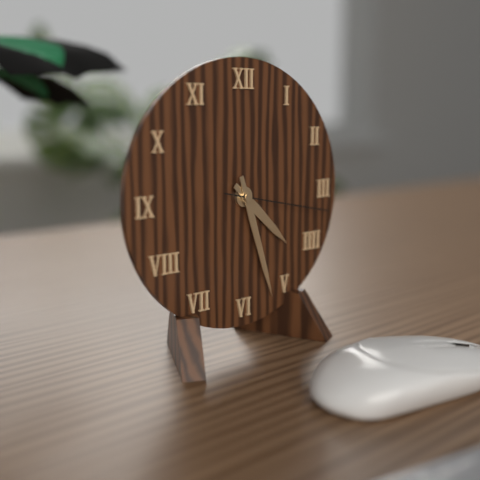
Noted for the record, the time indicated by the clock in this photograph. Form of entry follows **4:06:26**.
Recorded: **4:27:17**
